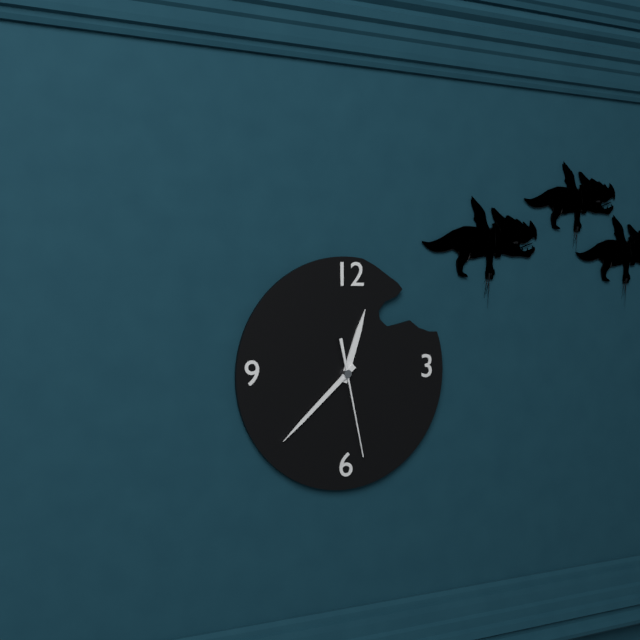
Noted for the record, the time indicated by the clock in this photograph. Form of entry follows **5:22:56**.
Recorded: **12:38:28**
